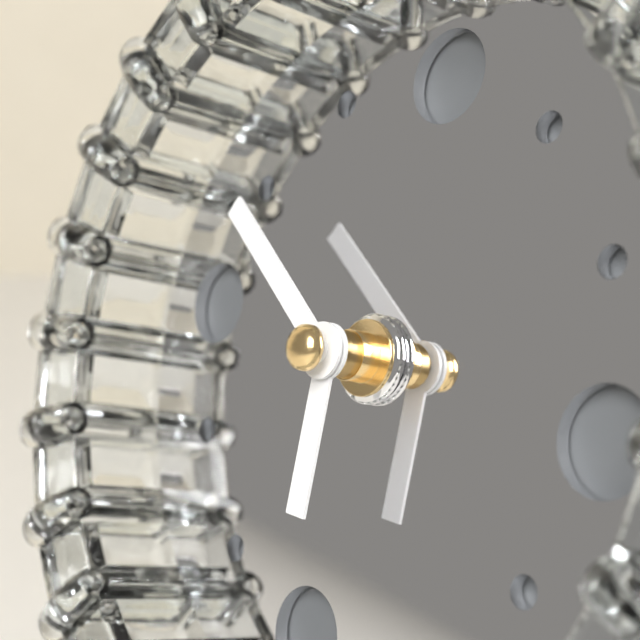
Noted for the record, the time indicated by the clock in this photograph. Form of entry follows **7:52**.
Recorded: **5:50**
